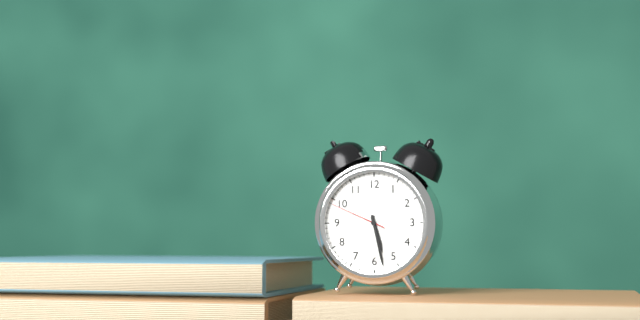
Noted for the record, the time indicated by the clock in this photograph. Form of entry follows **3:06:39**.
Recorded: **5:28:49**
